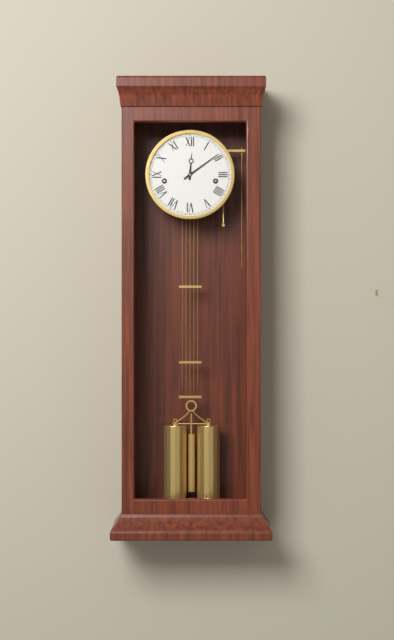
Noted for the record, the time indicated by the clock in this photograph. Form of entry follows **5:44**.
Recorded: **12:09**
